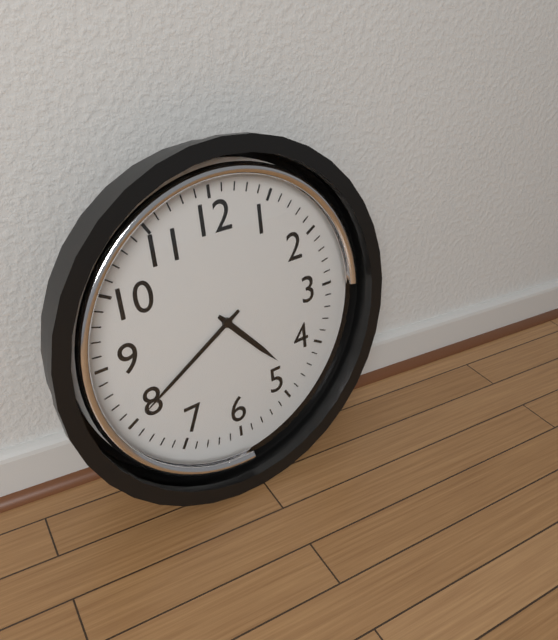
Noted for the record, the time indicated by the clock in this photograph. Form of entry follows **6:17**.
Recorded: **4:40**
